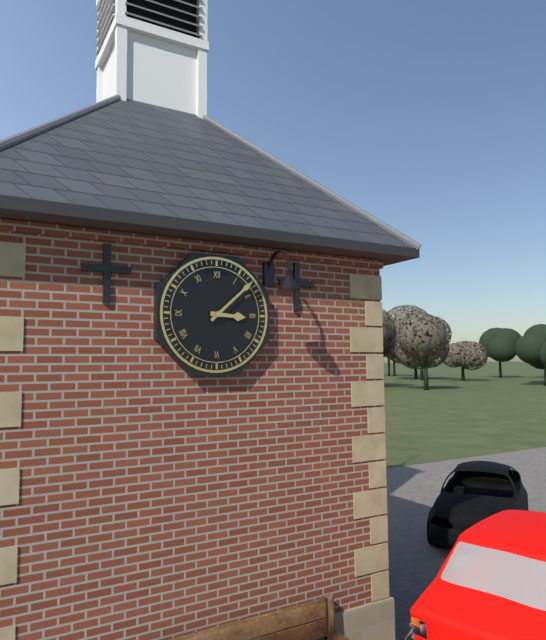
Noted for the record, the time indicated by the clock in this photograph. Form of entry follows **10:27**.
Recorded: **3:08**
